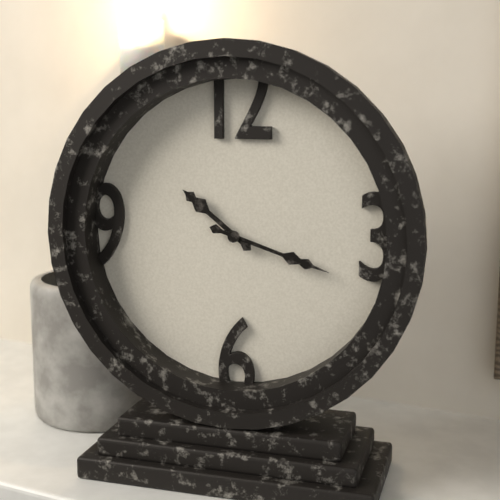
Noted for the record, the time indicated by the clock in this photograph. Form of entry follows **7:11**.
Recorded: **10:18**
